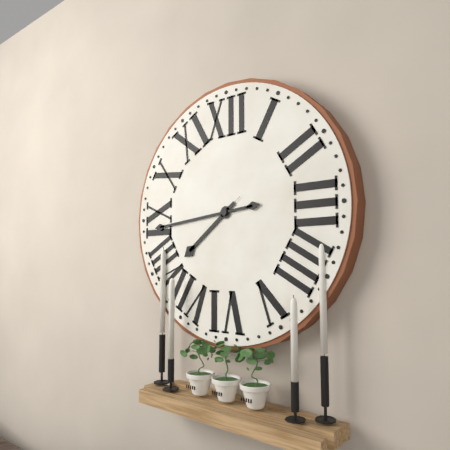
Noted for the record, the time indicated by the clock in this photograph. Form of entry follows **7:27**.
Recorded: **7:44**
